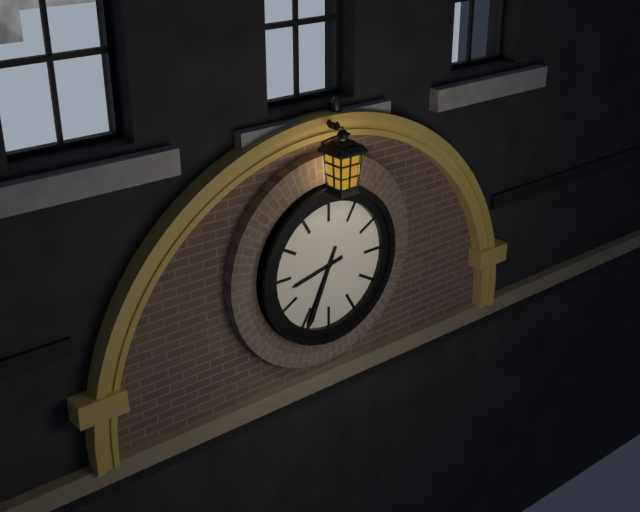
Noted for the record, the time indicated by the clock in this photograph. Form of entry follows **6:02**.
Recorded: **8:34**
